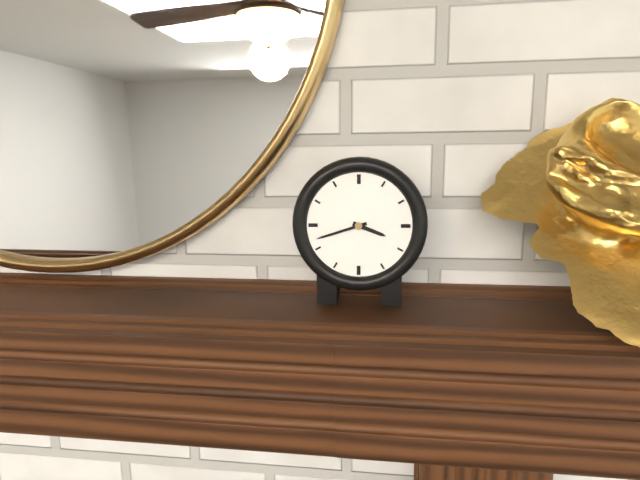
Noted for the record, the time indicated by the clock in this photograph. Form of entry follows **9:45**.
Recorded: **3:42**
